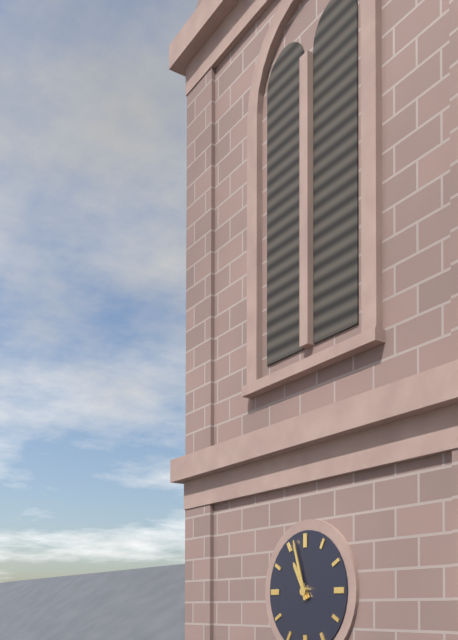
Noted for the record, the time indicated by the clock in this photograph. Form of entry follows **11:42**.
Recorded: **10:57**
